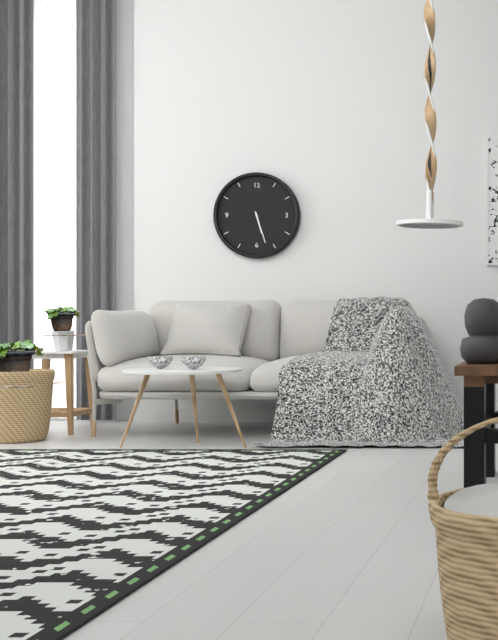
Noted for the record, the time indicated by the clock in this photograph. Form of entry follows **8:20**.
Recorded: **5:27**
